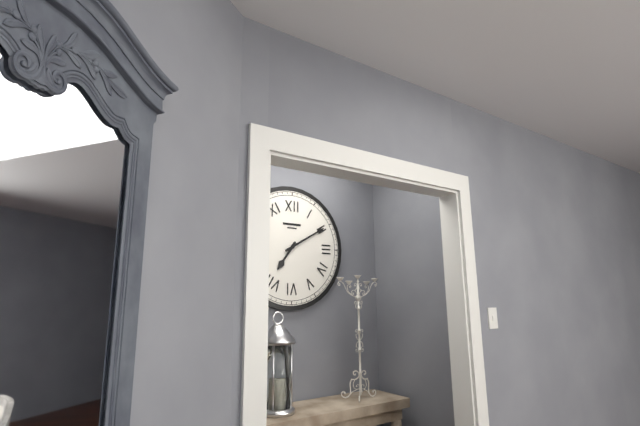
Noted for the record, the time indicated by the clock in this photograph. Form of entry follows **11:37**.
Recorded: **7:10**
